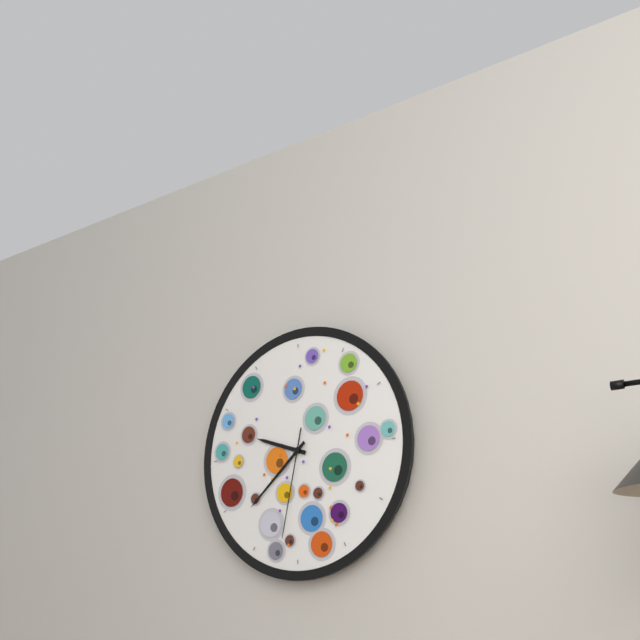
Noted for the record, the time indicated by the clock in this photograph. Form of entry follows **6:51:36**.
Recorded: **9:38:32**
